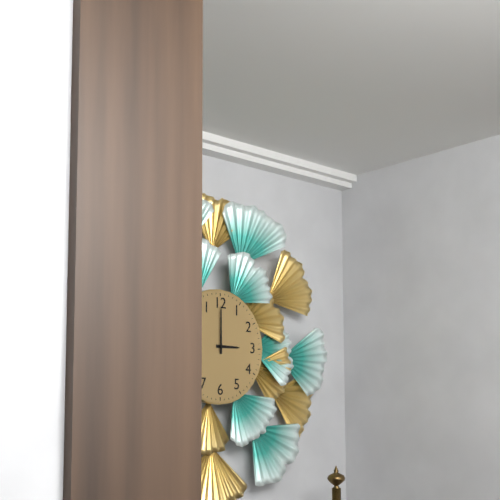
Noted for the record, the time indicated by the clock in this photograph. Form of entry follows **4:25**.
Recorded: **3:00**
